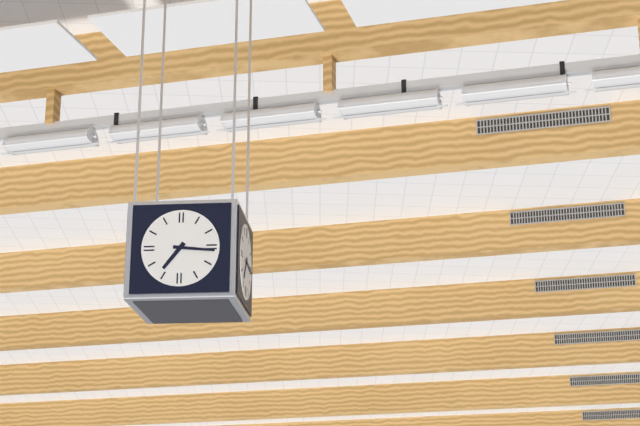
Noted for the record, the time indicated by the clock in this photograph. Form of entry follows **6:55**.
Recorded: **7:16**
